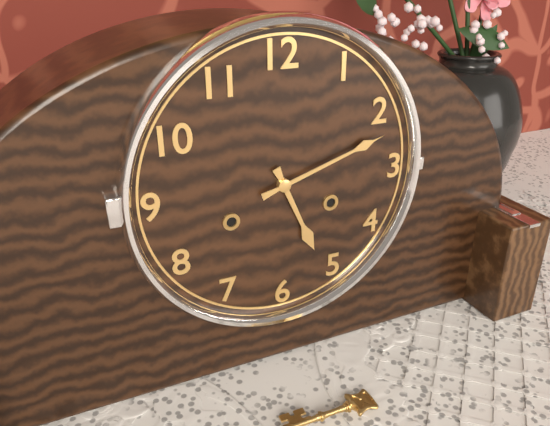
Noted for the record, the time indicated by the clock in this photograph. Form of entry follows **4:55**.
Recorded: **5:12**
